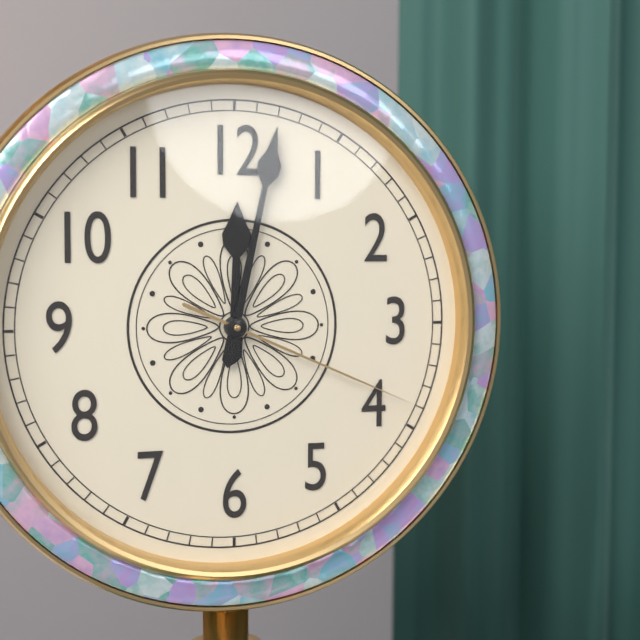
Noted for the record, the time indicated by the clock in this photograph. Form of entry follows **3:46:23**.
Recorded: **12:02:19**
